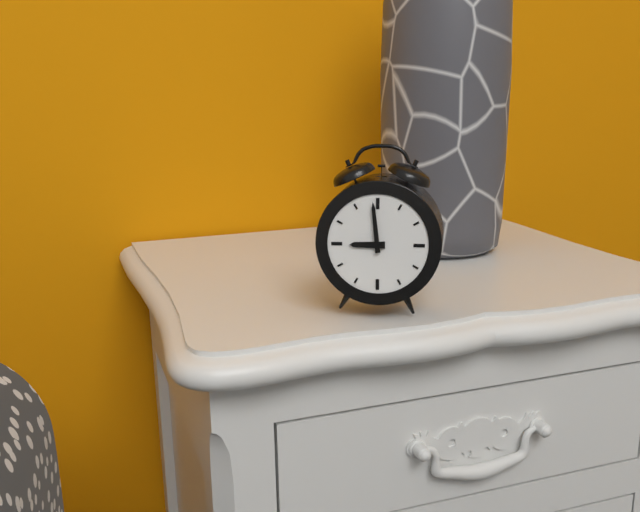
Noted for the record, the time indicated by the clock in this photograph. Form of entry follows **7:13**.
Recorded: **8:59**
